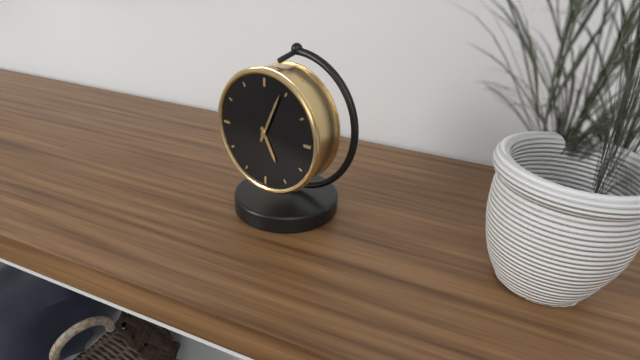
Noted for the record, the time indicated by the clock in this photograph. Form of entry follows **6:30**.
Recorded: **5:04**
